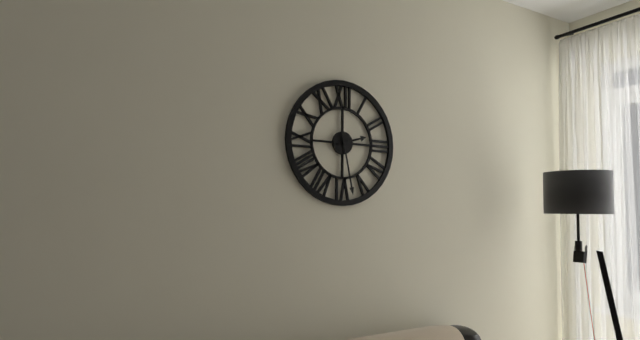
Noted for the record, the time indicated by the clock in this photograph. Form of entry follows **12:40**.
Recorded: **2:28**
